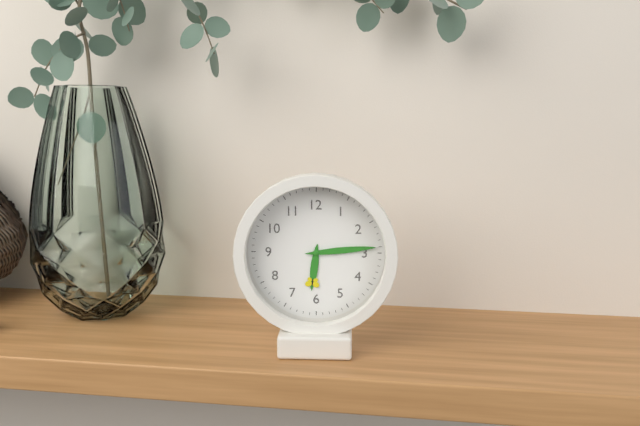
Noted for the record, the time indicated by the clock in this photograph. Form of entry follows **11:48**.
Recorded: **6:14**
